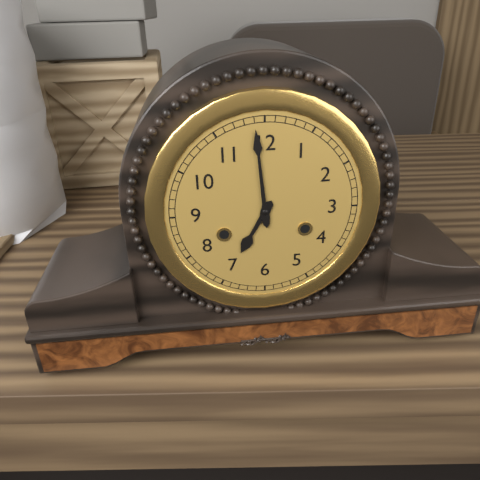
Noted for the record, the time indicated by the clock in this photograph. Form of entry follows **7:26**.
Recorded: **6:59**
